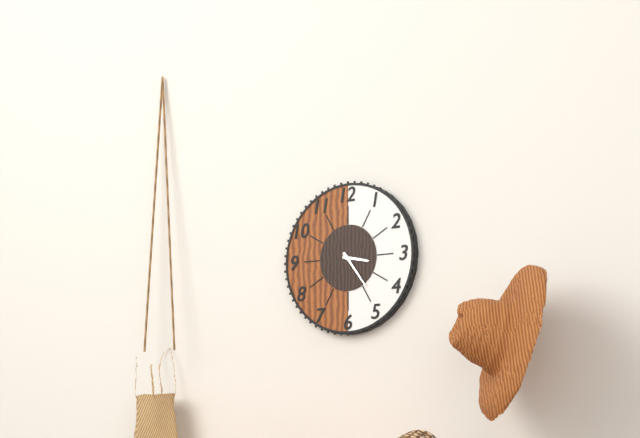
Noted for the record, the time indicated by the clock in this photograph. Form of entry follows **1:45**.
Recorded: **3:24**
